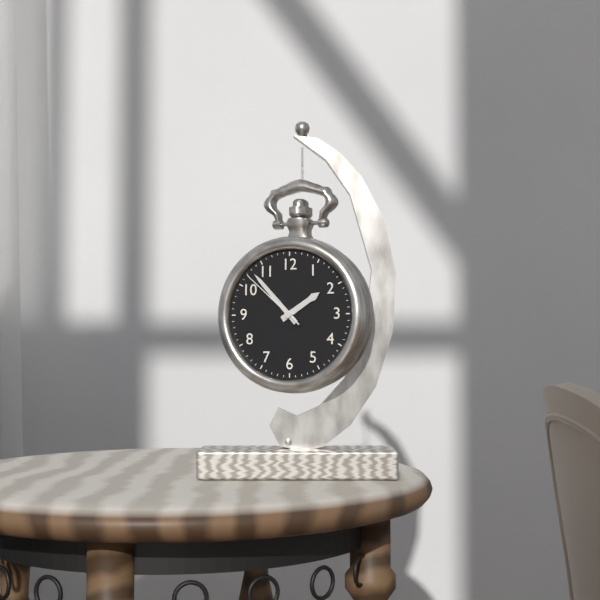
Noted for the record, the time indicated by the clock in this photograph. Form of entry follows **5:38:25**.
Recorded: **1:53:52**
